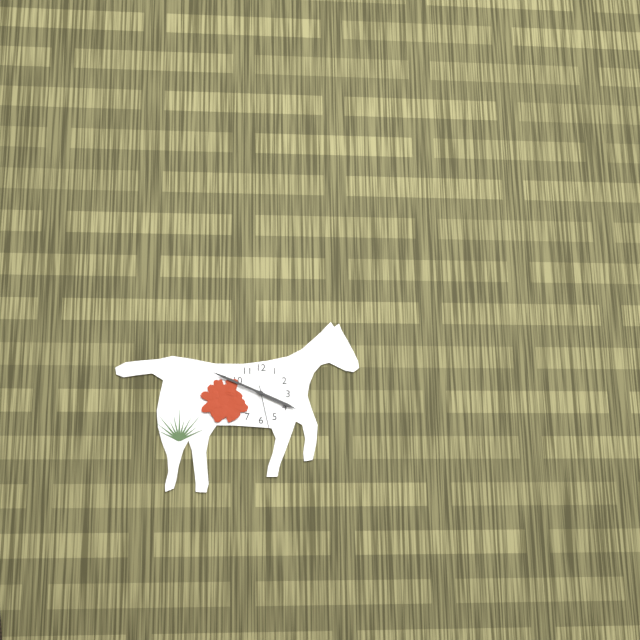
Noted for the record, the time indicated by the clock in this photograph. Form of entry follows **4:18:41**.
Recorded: **3:49:28**
